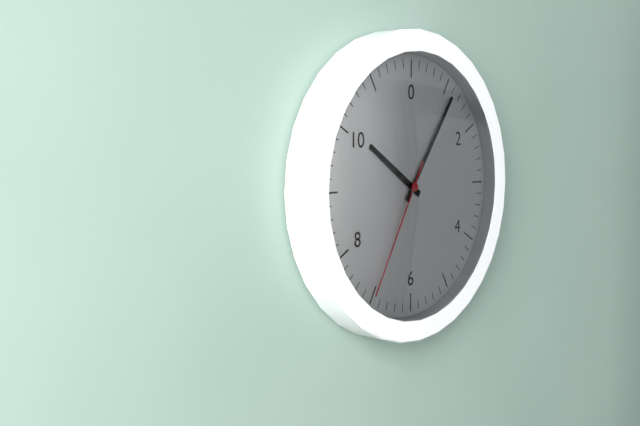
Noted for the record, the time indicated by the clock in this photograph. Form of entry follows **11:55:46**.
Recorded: **10:06:35**
